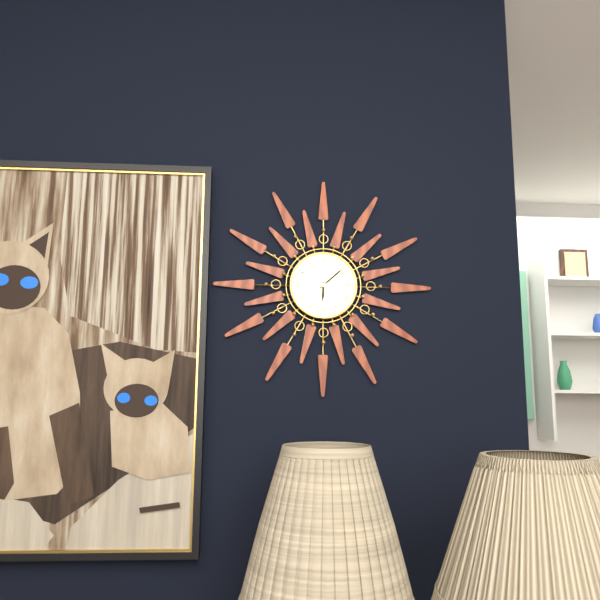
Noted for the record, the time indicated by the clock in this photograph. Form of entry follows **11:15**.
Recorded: **6:08**
